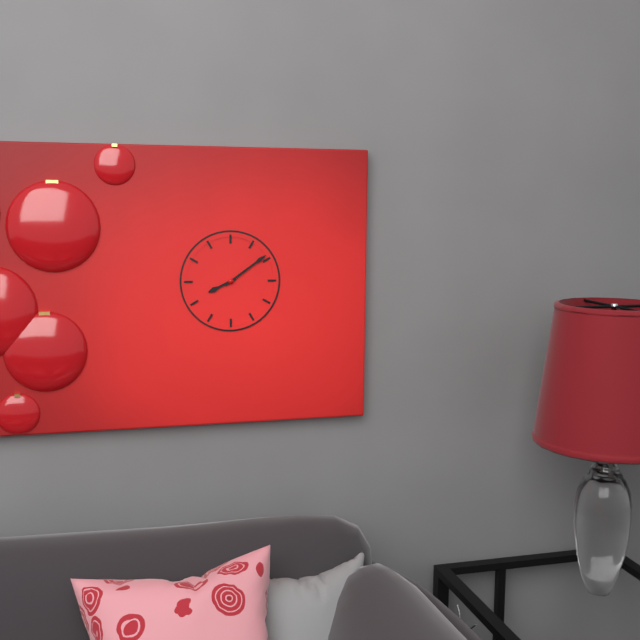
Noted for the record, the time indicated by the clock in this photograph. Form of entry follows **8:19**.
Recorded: **8:09**
